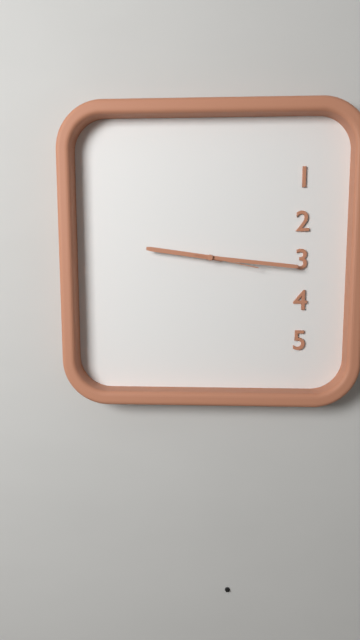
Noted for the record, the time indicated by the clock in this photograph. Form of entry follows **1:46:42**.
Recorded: **9:16:17**
